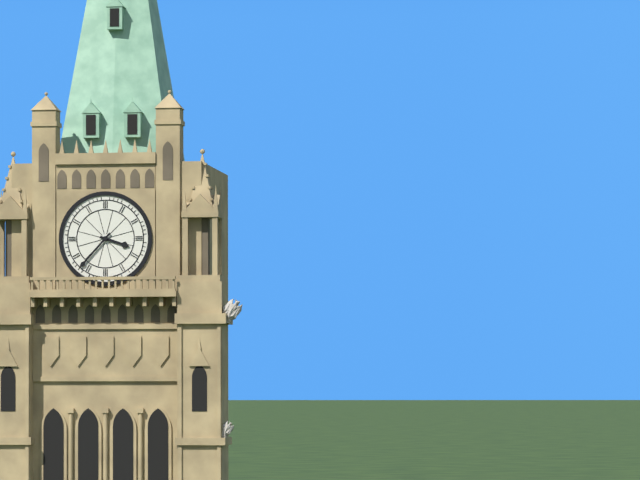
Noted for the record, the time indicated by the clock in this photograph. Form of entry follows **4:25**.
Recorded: **3:37**
